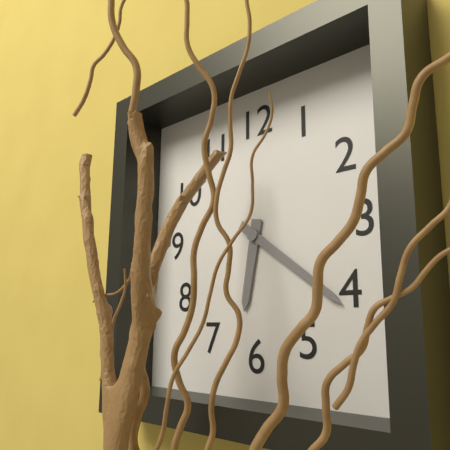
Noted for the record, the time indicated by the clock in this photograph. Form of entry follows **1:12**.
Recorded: **6:21**
